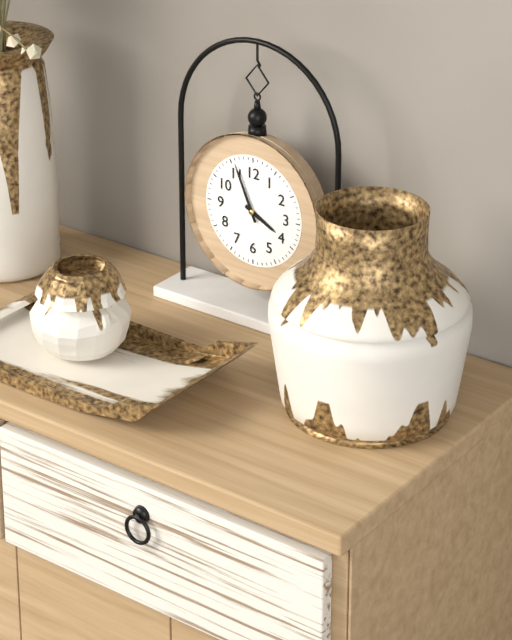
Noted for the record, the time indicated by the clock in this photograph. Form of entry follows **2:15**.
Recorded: **3:56**
